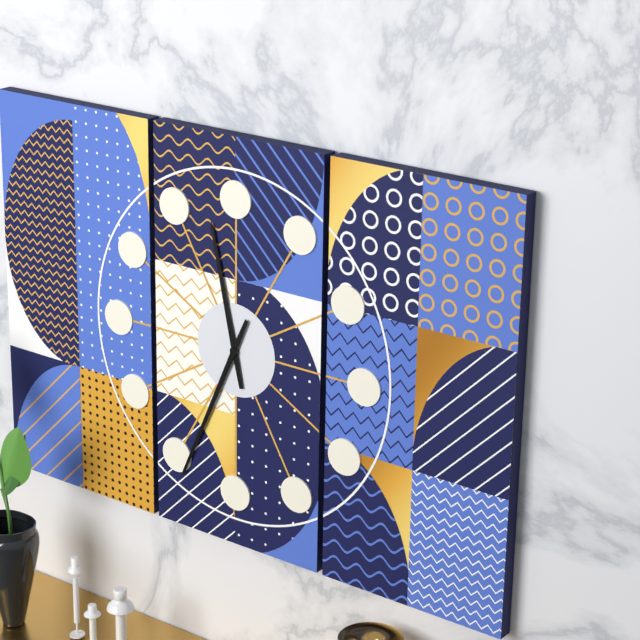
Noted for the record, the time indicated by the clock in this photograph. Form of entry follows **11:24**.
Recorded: **11:34**
